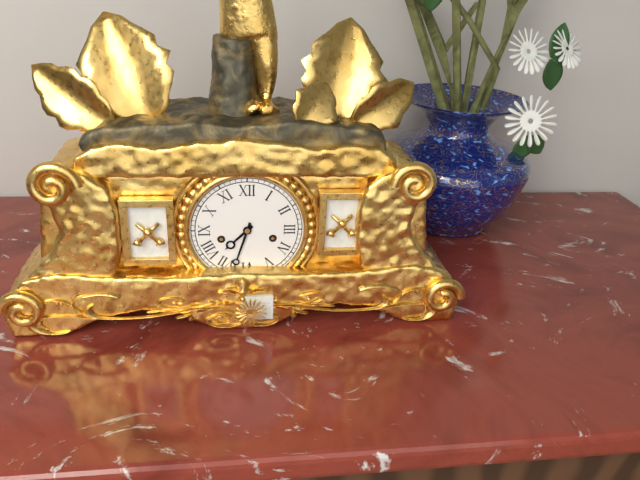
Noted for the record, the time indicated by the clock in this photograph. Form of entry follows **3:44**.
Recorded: **7:33**
